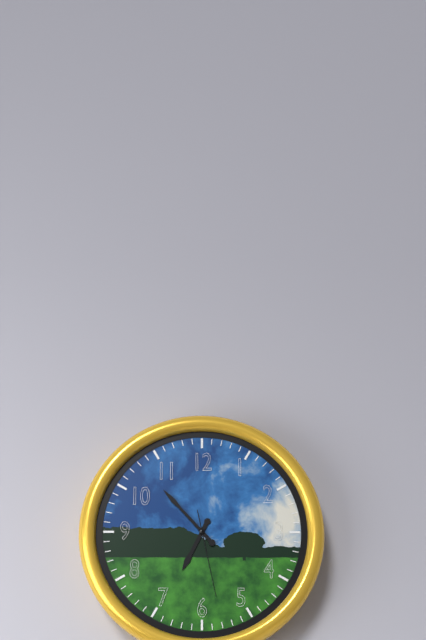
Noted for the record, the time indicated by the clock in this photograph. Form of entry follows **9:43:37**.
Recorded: **6:53:28**
